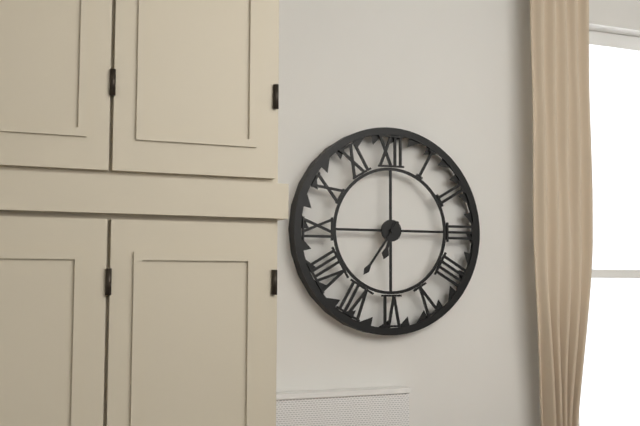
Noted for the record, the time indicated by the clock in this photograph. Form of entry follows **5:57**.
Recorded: **6:36**
